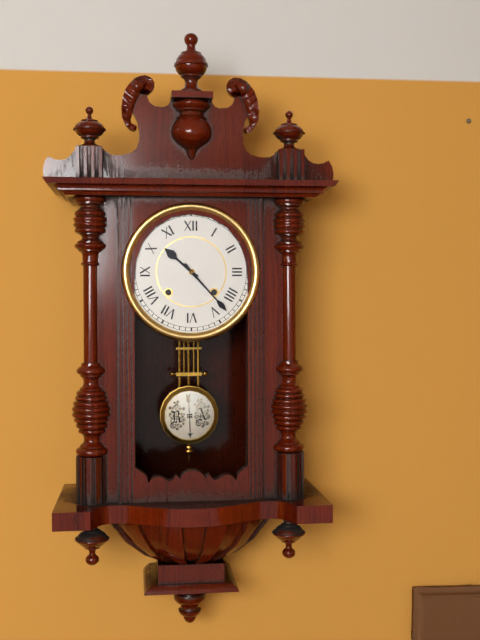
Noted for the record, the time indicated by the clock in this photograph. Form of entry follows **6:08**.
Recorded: **10:23**
